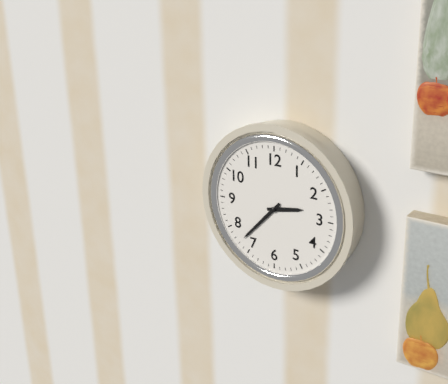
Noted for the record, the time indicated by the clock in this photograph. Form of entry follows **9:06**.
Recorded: **2:37**
